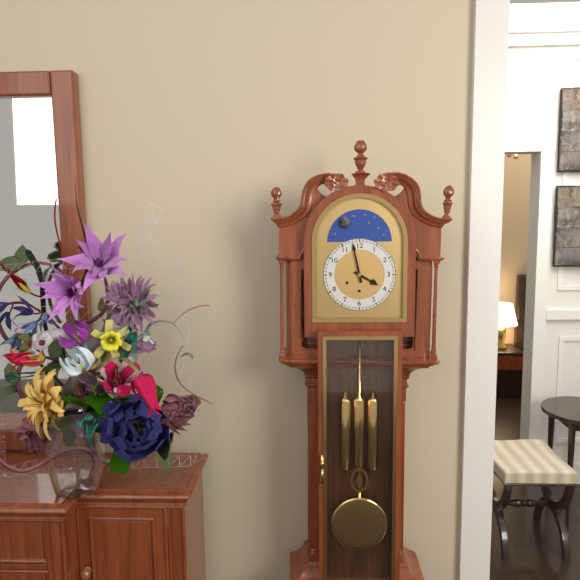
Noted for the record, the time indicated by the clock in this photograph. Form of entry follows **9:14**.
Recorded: **3:58**
